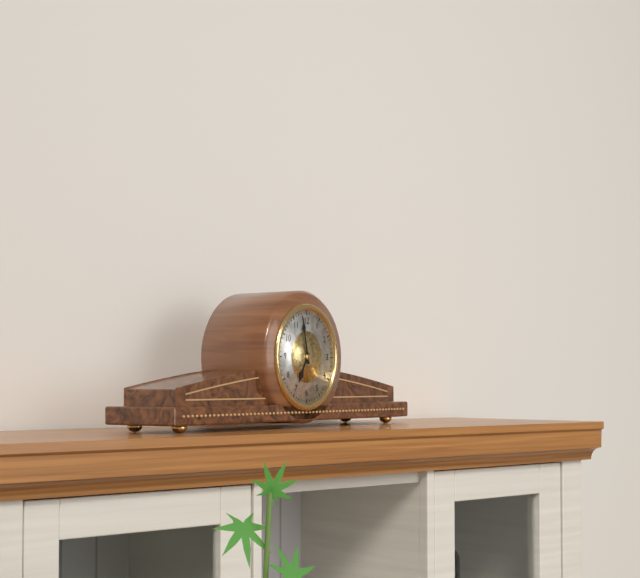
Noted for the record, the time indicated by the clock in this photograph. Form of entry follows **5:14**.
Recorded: **6:58**
